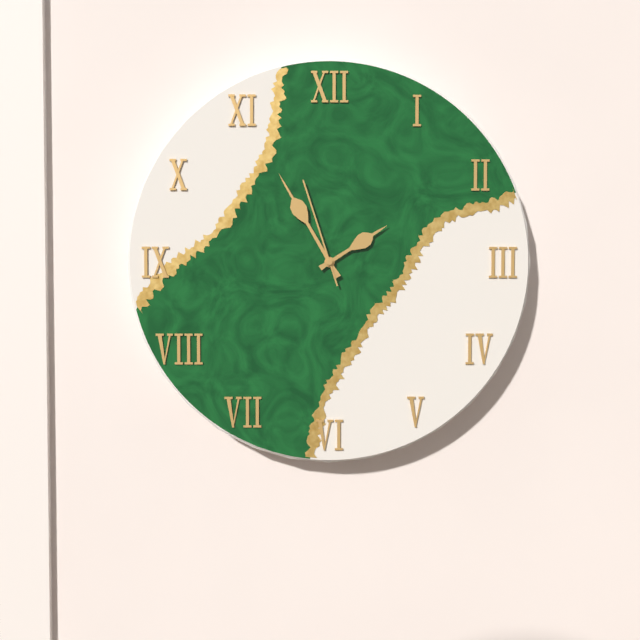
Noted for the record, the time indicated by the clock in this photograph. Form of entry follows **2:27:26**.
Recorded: **1:55:57**
